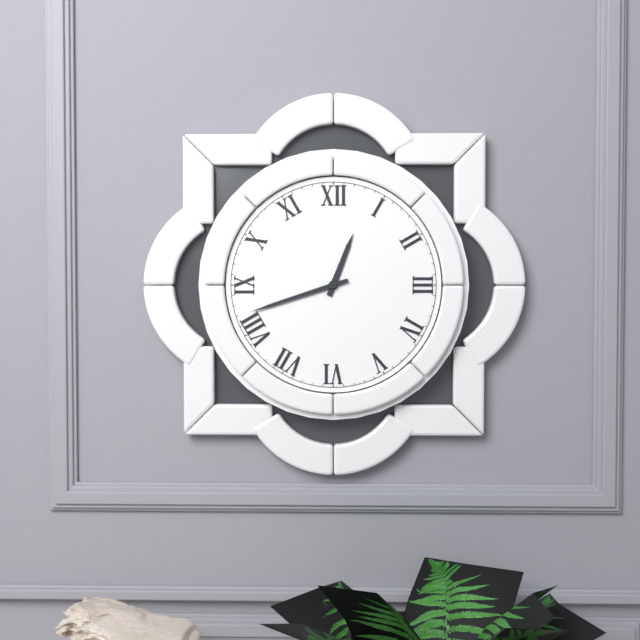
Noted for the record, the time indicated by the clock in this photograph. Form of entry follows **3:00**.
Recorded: **12:42**
